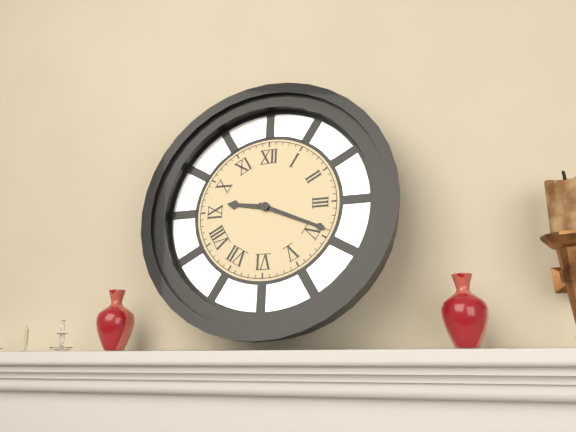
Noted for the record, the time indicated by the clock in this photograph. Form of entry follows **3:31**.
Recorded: **9:19**
